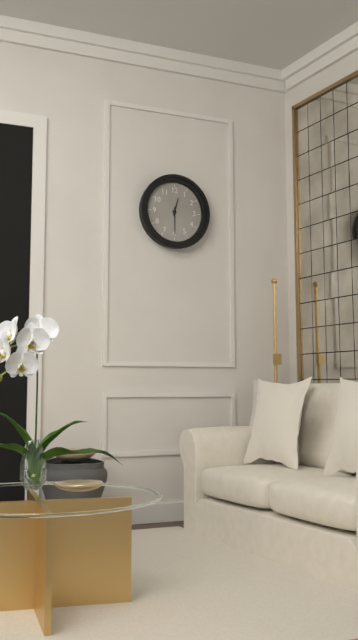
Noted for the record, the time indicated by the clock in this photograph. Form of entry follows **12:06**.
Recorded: **12:30**
